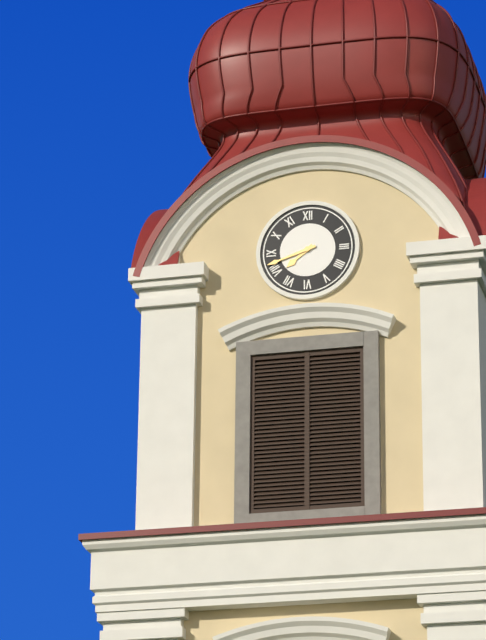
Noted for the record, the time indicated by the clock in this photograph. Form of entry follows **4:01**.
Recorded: **7:42**
